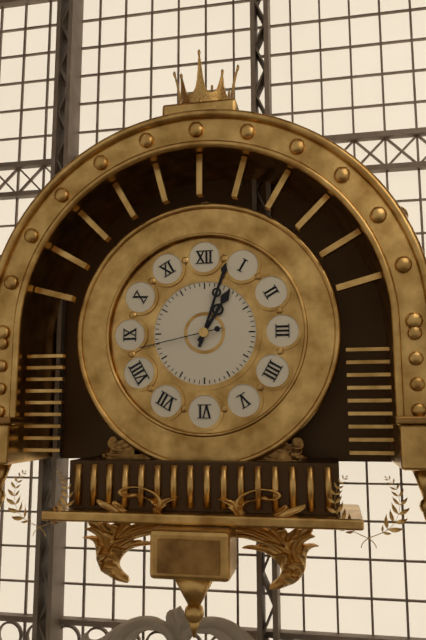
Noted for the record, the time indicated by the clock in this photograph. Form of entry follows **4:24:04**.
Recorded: **1:03:43**
